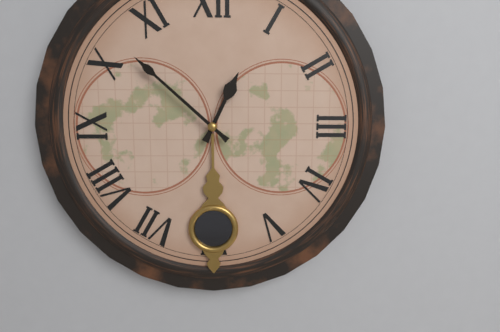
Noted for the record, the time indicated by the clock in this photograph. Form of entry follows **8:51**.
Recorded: **12:52**
